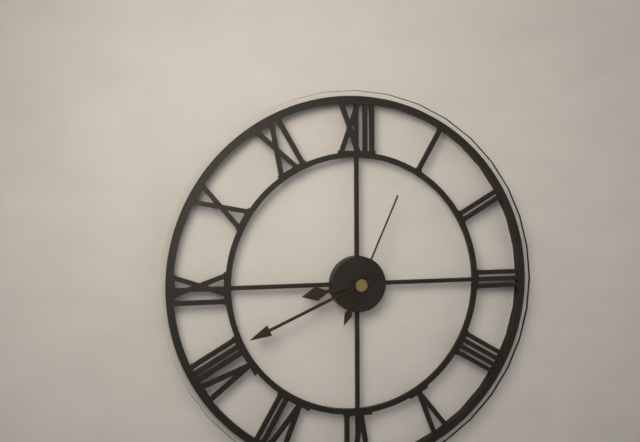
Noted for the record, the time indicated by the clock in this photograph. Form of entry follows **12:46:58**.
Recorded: **8:41:04**
